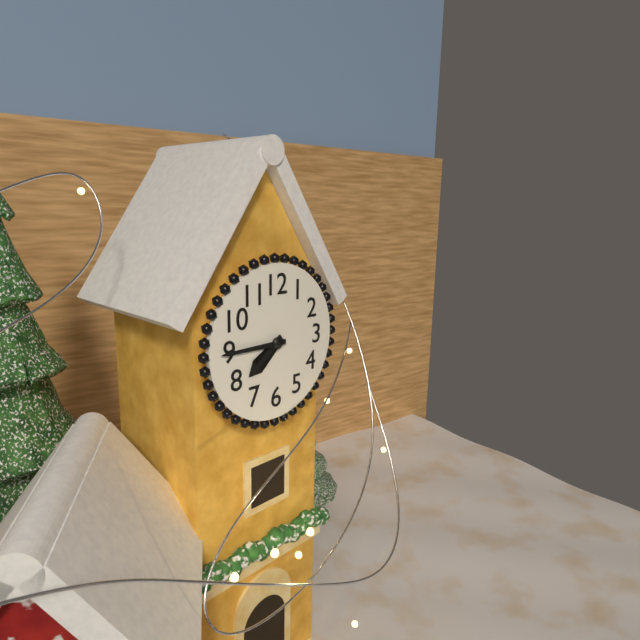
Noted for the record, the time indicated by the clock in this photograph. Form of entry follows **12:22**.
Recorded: **7:45**
